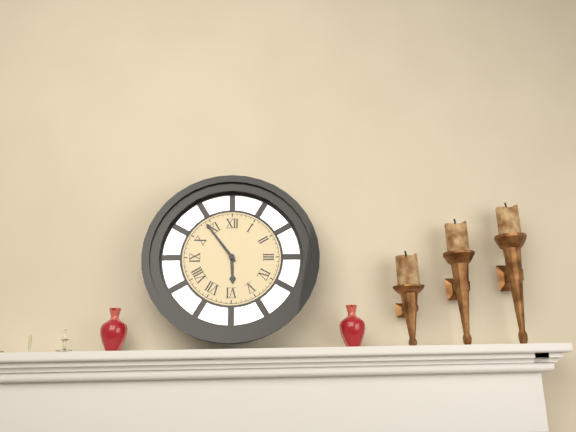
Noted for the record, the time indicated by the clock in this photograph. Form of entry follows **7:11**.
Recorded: **5:54**
